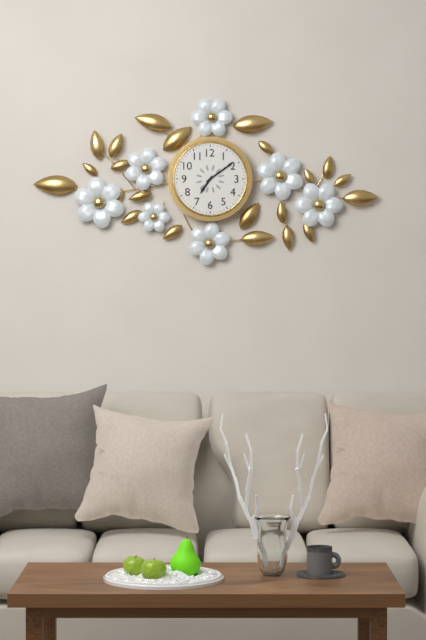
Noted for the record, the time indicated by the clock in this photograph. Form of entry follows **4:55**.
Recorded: **7:09**
